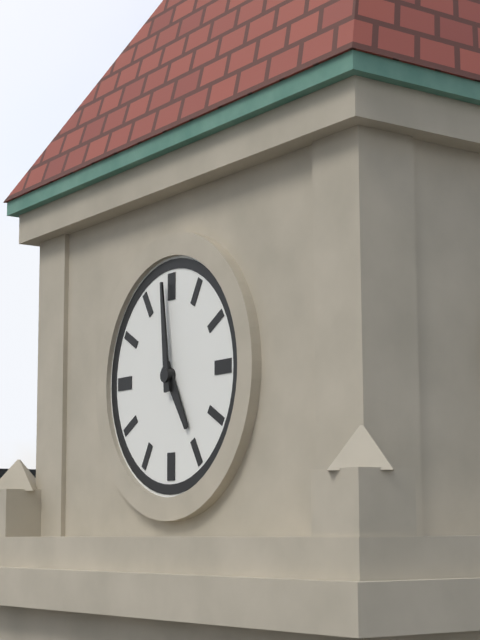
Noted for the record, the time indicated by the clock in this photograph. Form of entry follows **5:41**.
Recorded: **4:59**
